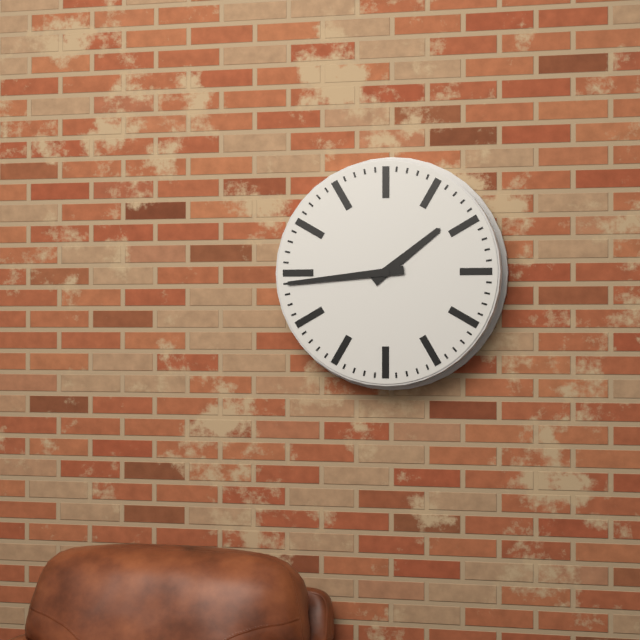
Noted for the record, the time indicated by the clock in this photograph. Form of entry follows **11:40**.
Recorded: **1:44**
